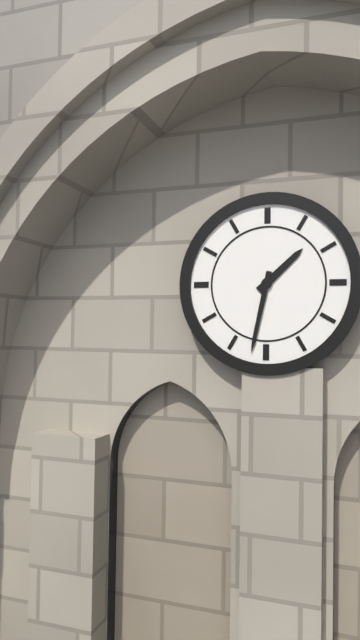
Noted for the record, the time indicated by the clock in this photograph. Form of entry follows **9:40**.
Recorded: **1:32**
